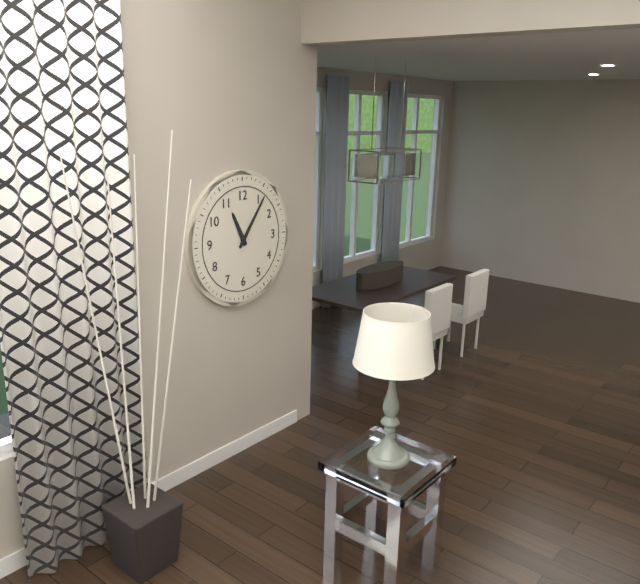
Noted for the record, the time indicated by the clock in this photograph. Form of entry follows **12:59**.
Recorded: **11:06**
